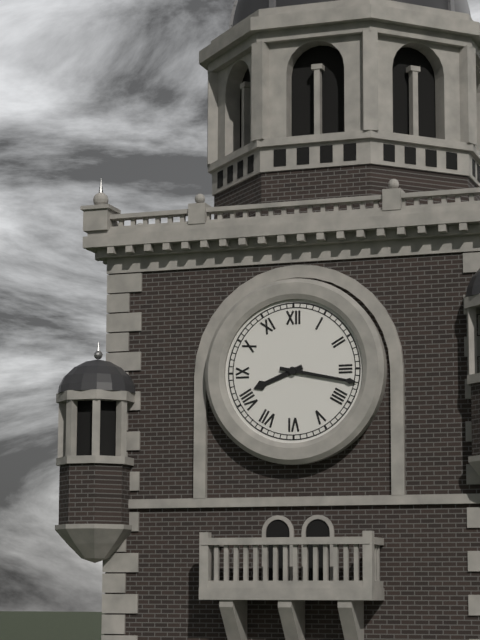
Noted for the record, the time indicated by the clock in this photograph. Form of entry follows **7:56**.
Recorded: **8:17**
